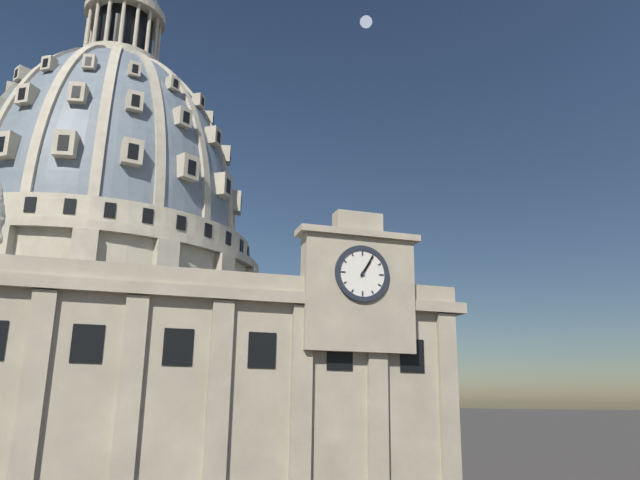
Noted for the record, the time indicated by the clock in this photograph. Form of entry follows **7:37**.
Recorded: **1:05**
